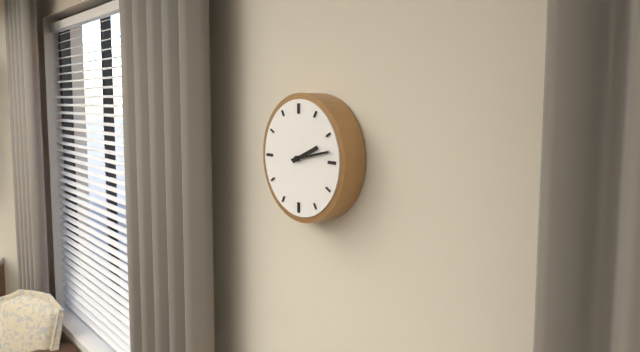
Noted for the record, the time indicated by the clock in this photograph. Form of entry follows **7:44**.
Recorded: **2:13**
